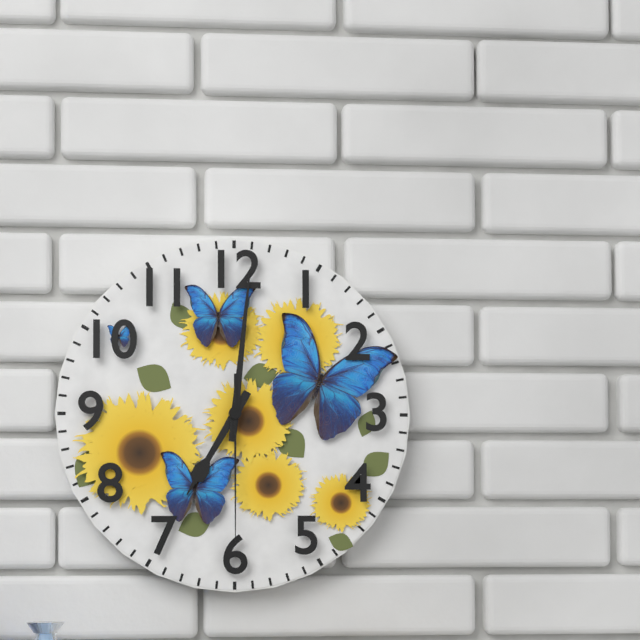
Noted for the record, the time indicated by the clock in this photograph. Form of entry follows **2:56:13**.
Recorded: **7:01:30**
